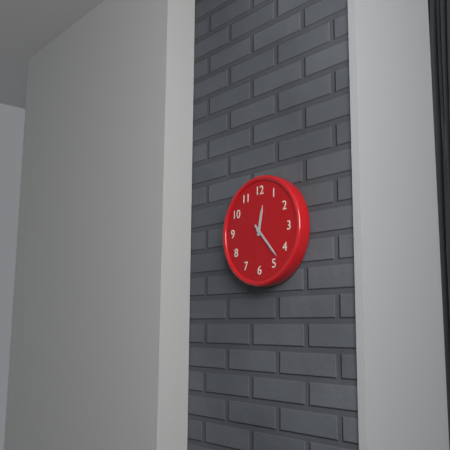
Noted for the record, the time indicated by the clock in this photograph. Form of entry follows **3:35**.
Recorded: **12:23**
